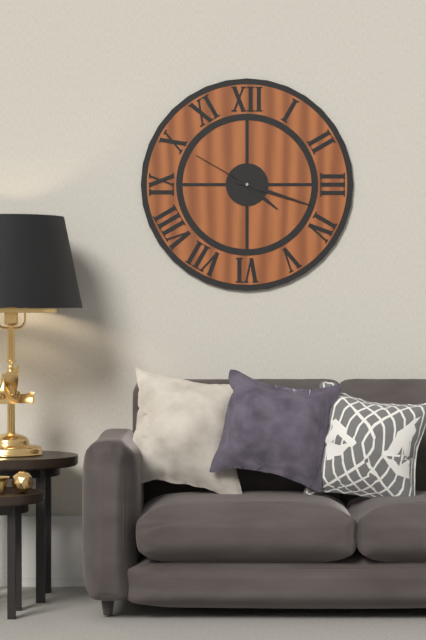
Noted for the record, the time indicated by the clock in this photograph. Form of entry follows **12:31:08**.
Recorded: **4:18:50**
